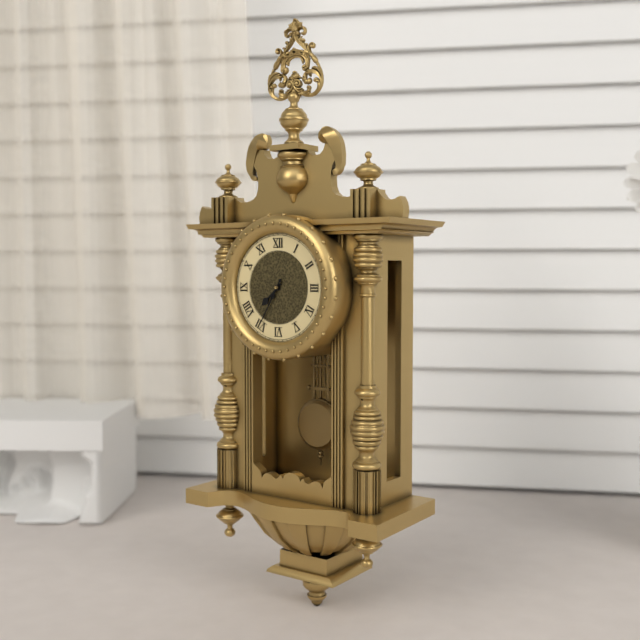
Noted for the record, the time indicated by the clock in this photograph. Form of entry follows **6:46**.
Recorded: **7:35**
